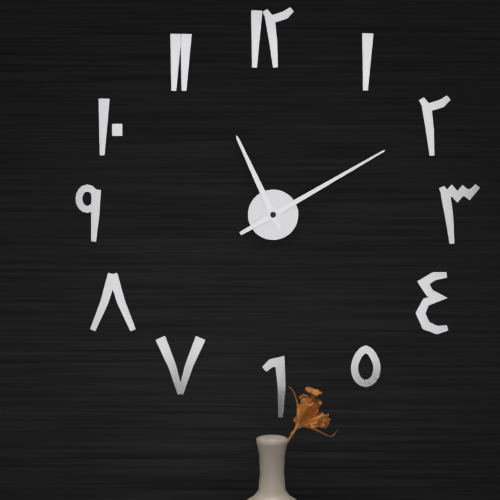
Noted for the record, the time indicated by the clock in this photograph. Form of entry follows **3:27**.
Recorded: **11:10**
